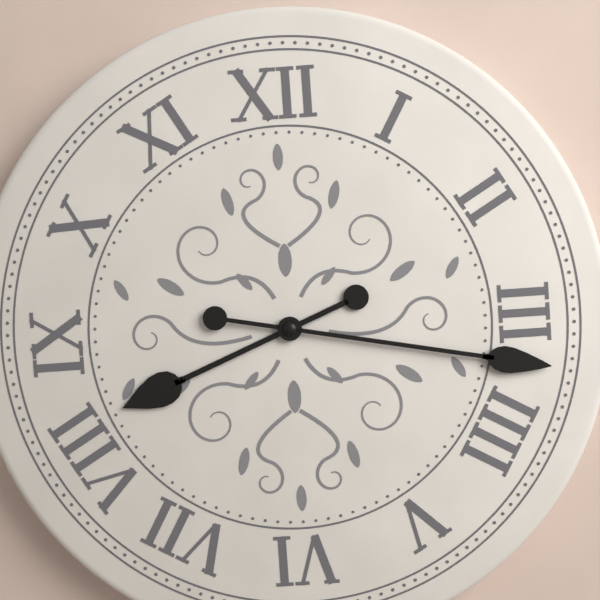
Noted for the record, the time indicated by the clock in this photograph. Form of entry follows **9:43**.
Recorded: **8:17**
